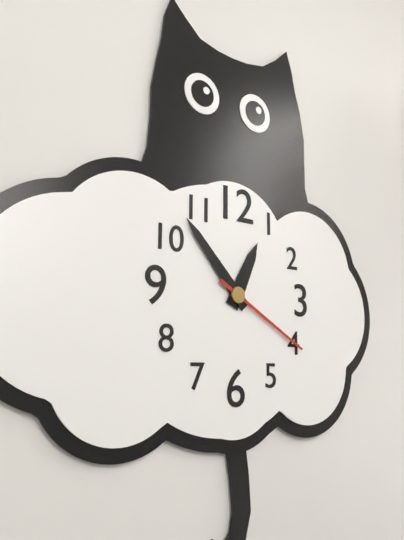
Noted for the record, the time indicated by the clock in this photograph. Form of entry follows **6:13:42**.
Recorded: **12:53:20**
